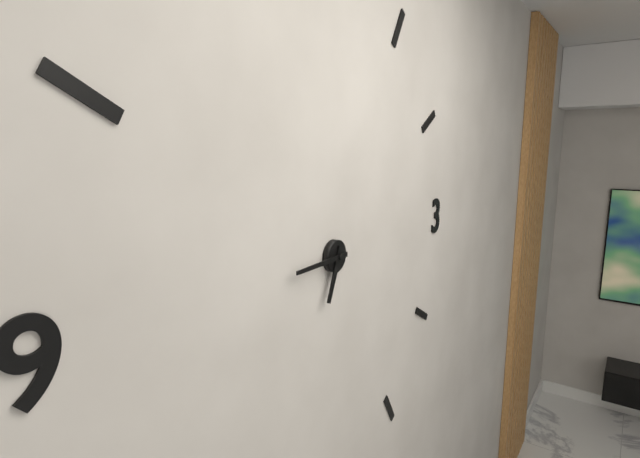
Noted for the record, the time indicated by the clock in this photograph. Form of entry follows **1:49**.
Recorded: **6:45**
